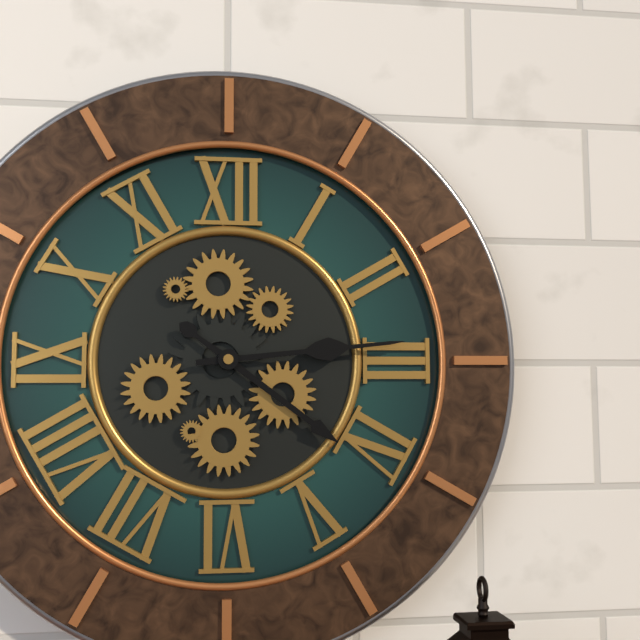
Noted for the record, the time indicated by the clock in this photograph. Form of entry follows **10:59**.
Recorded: **4:14**
